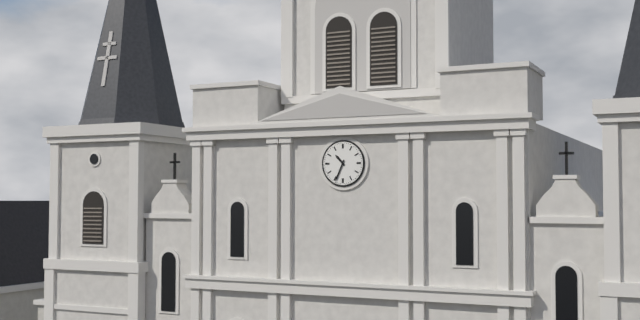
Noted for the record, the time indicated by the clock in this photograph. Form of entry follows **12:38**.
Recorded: **10:34**
